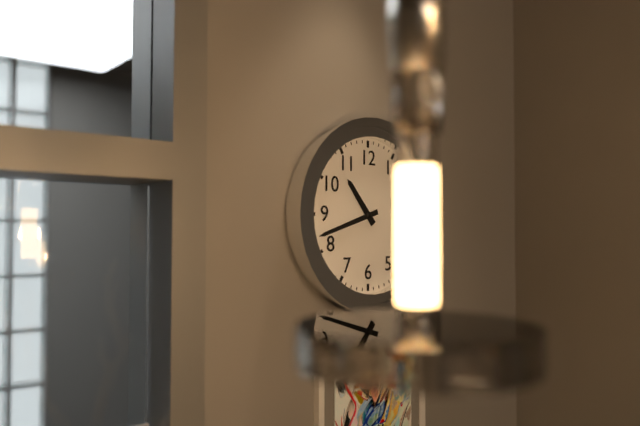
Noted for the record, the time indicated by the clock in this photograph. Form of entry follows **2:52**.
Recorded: **10:42**
